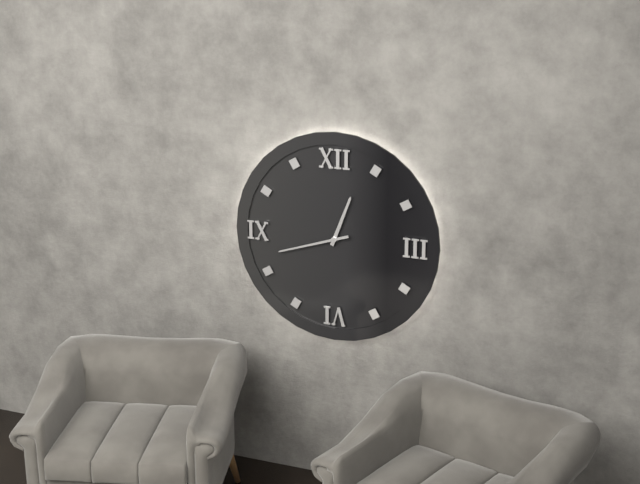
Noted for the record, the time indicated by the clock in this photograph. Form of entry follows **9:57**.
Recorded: **12:42**
